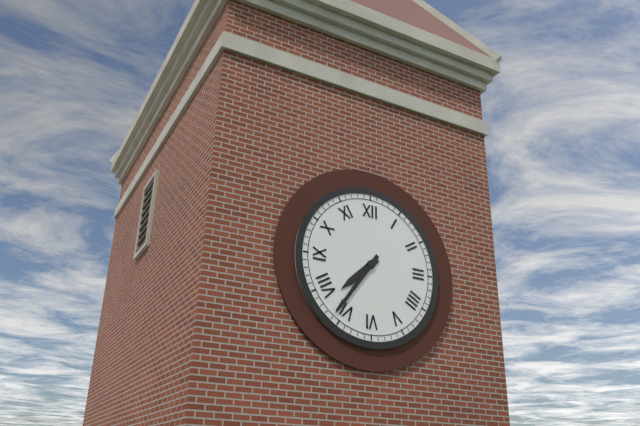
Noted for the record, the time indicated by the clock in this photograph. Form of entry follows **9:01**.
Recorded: **7:36**
